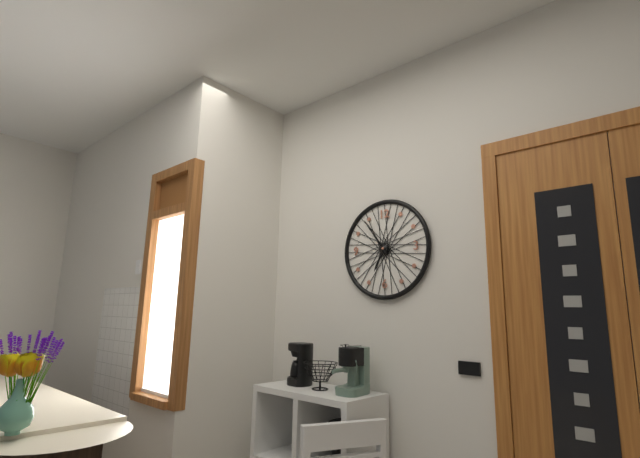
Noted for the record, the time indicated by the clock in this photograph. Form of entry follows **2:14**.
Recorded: **6:54**
